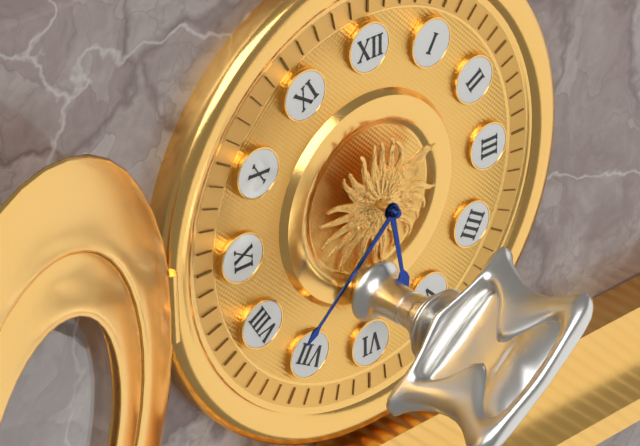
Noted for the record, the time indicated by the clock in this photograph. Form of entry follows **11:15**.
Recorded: **5:38**
